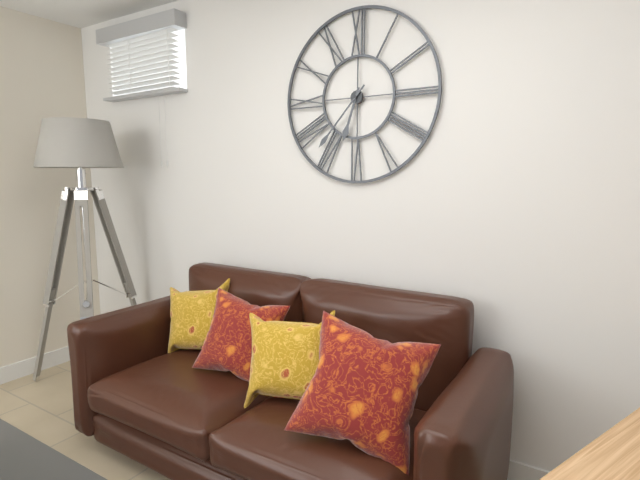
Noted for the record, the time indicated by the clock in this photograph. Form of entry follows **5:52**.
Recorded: **6:37**
